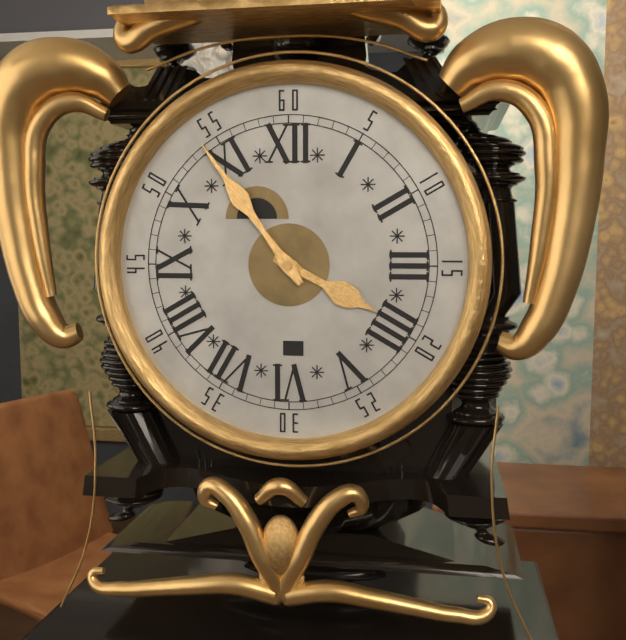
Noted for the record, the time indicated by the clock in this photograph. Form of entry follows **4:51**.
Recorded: **3:54**
